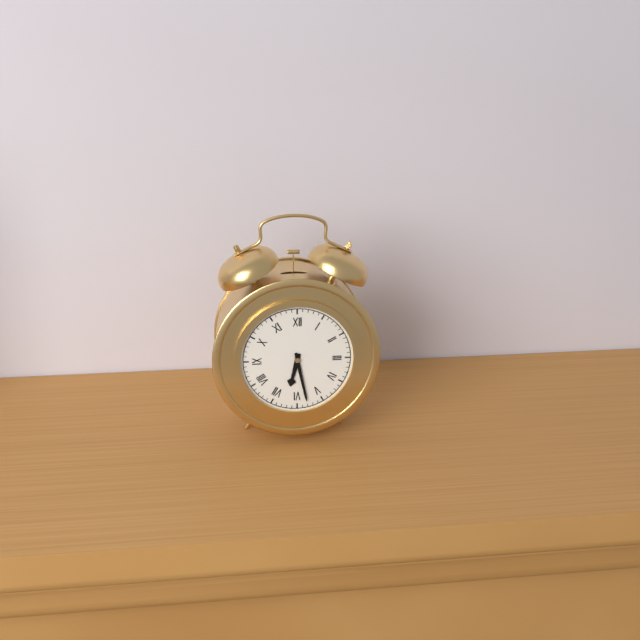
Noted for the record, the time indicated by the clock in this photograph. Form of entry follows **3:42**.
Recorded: **6:28**
